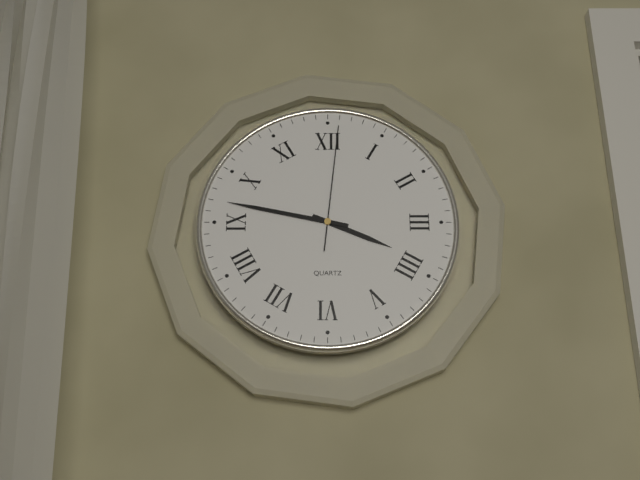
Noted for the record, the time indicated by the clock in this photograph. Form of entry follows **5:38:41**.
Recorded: **3:47:01**
